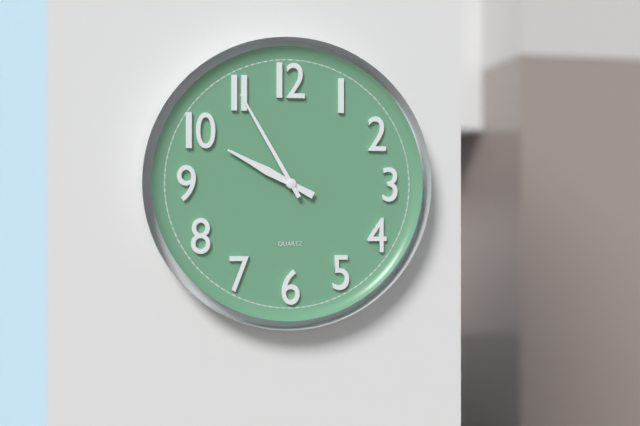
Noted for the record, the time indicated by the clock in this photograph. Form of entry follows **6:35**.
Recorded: **9:55**
